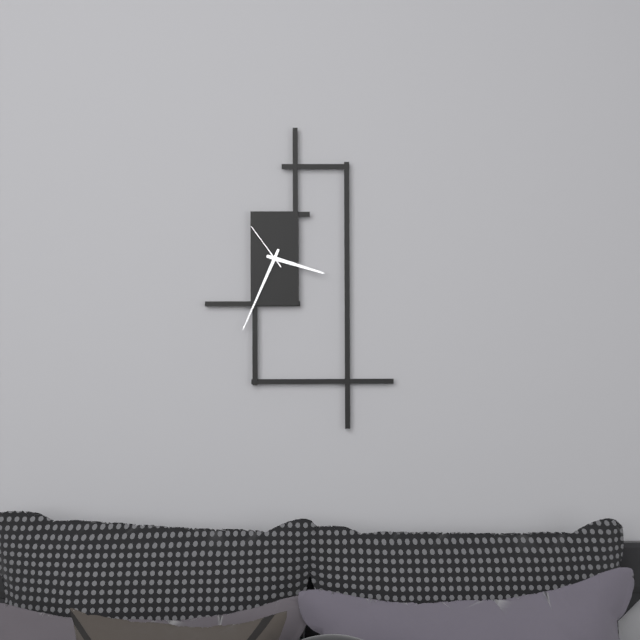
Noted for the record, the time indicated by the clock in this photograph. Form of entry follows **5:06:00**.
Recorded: **3:34:54**
